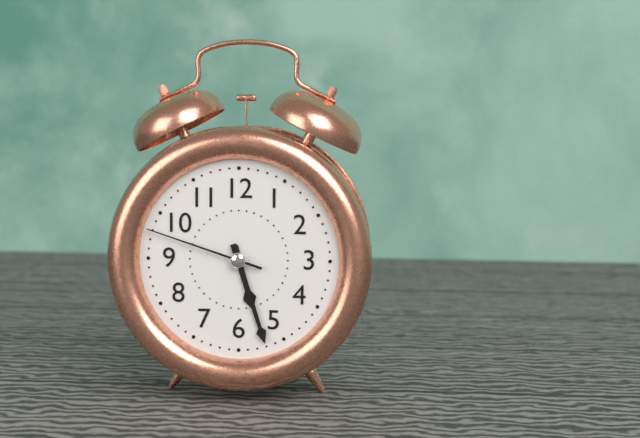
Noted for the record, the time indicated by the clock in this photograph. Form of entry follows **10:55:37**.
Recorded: **5:27:48**
